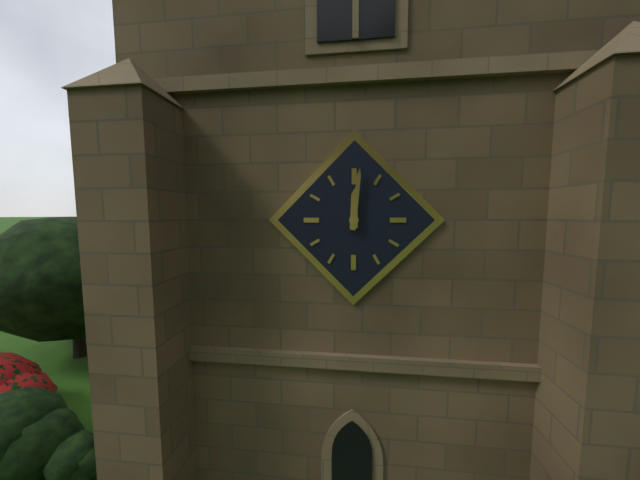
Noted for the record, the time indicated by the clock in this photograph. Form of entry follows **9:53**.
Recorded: **12:01**
